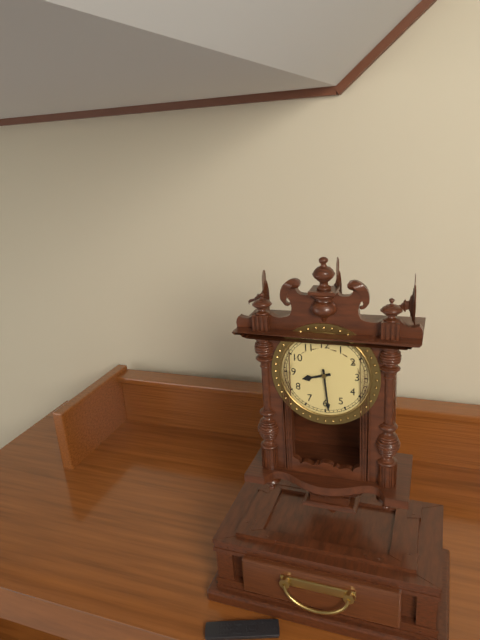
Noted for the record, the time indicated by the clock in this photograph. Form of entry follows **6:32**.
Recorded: **8:29**
